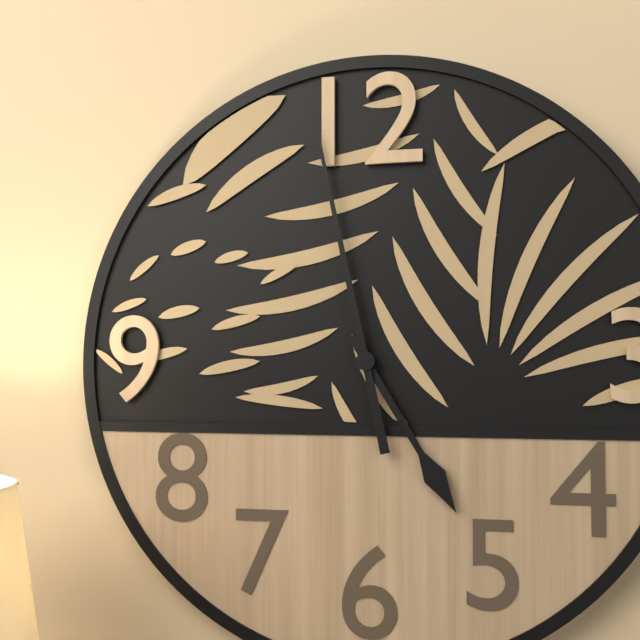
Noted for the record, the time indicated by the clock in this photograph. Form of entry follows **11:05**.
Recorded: **4:58**
